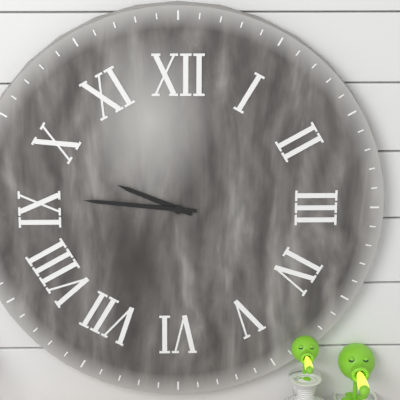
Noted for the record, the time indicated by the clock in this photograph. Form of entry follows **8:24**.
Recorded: **9:46**
